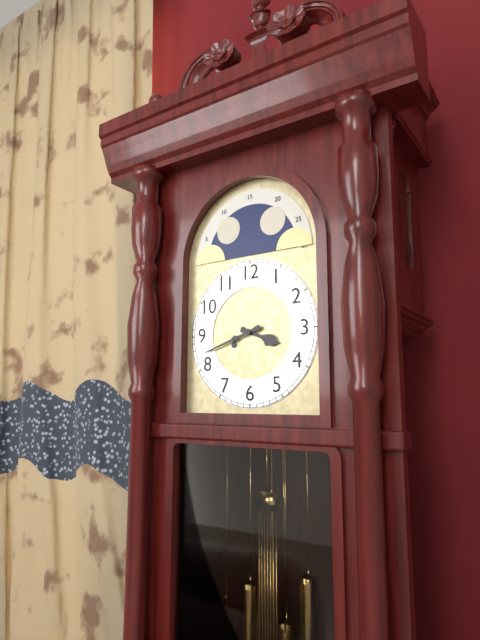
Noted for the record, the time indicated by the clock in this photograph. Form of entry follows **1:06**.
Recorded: **3:42**
